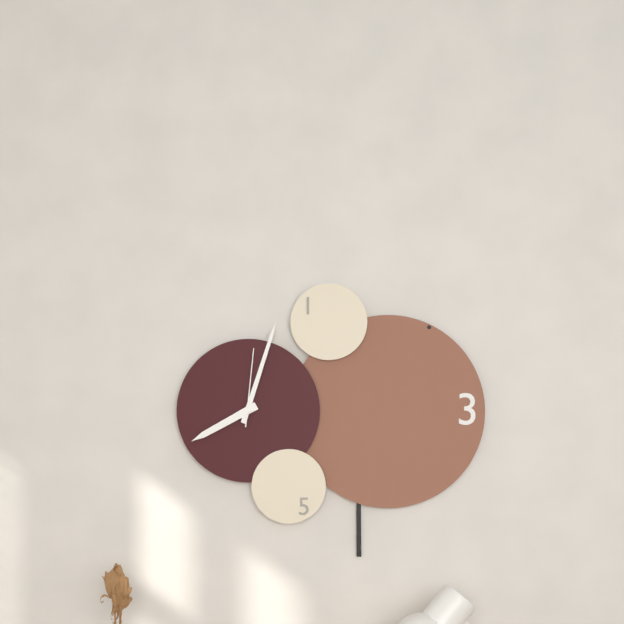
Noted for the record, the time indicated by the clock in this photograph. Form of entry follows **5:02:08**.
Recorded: **8:03:01**
